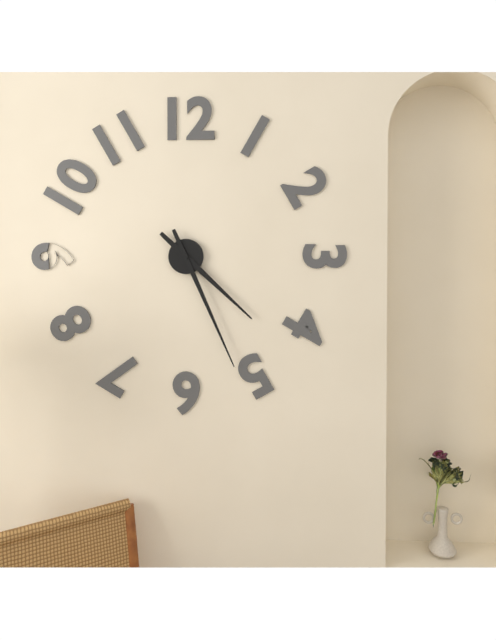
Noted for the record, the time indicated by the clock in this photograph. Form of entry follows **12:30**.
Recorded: **4:26**
